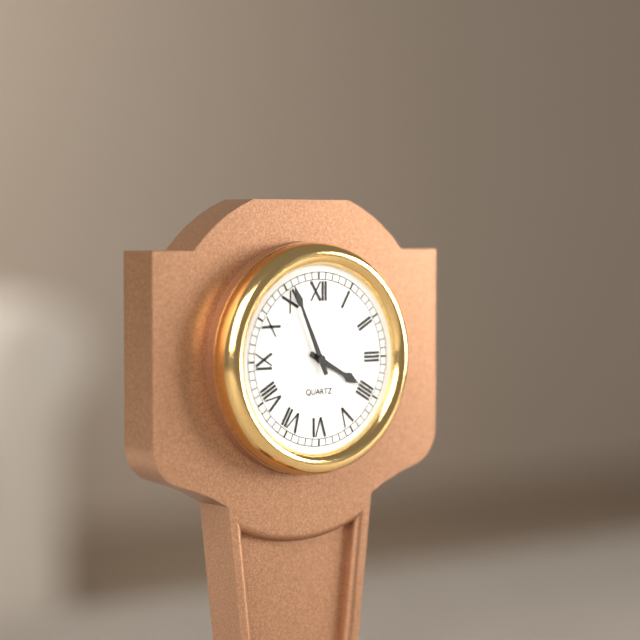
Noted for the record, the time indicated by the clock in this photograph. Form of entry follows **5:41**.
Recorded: **3:56**
